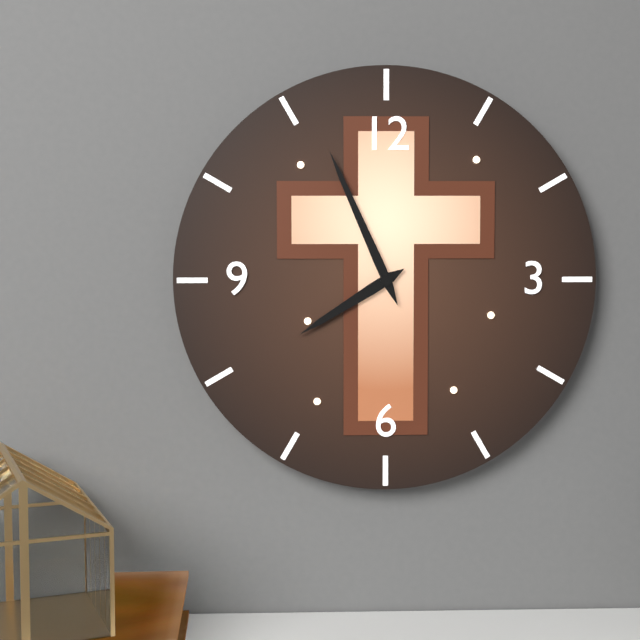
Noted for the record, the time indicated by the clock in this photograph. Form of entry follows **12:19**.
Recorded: **7:56**
